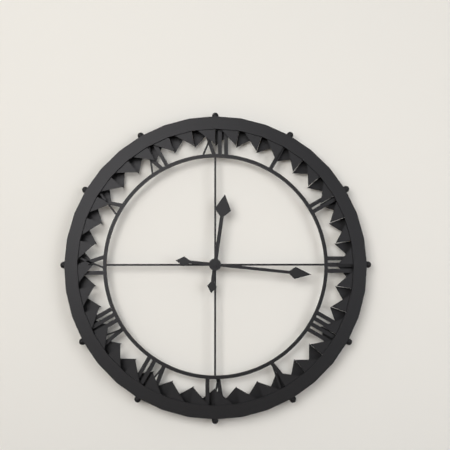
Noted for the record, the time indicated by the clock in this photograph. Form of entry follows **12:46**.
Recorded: **12:16**
